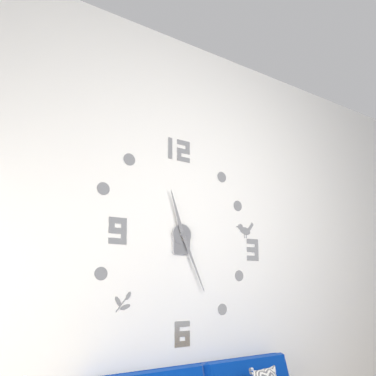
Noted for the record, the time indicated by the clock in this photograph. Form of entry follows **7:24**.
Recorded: **11:26**
